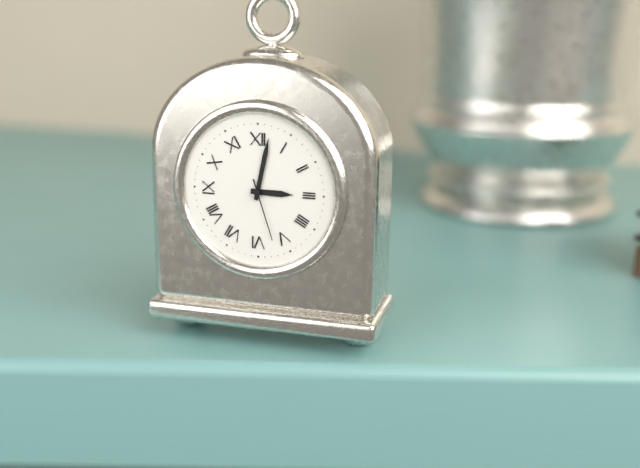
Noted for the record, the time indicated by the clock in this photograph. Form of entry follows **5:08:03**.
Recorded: **3:02:27**
